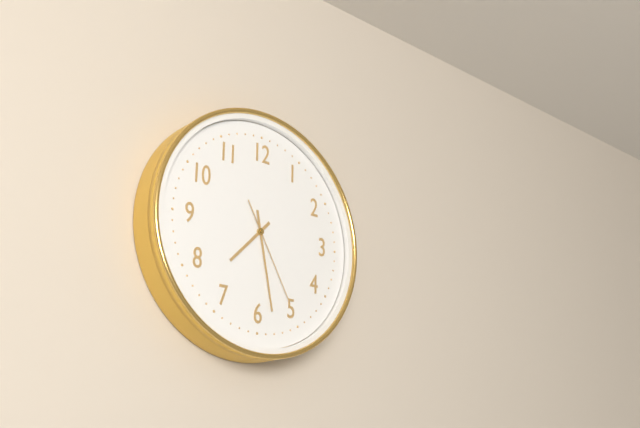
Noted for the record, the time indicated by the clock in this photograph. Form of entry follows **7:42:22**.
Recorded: **7:28:25**
